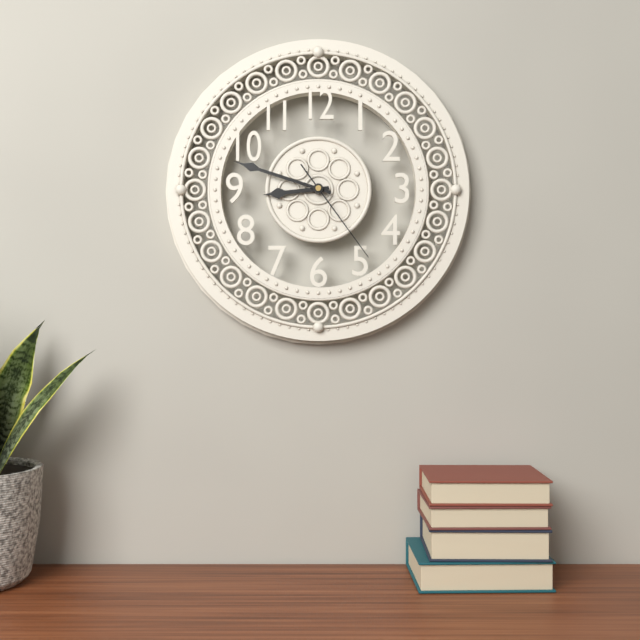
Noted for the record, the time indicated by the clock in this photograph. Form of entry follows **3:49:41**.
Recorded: **8:48:24**
